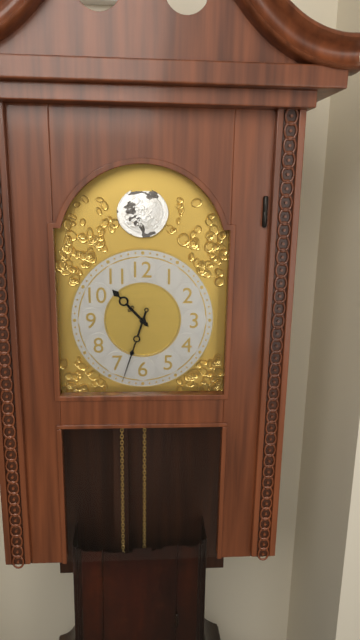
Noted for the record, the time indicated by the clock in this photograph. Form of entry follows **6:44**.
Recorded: **10:33**
